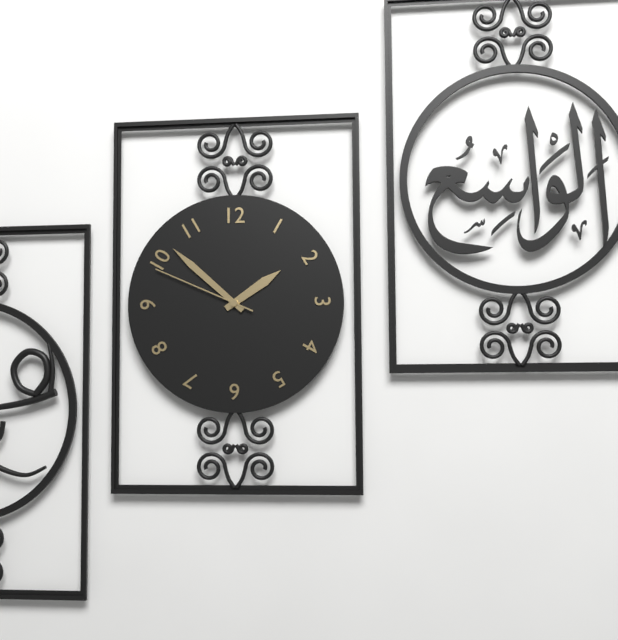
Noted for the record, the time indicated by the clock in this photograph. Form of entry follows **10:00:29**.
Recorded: **1:52:49**
